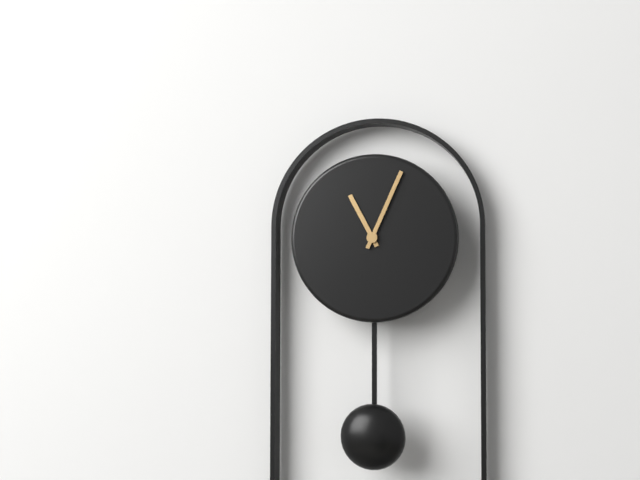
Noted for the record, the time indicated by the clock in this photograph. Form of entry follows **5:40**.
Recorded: **11:04**
